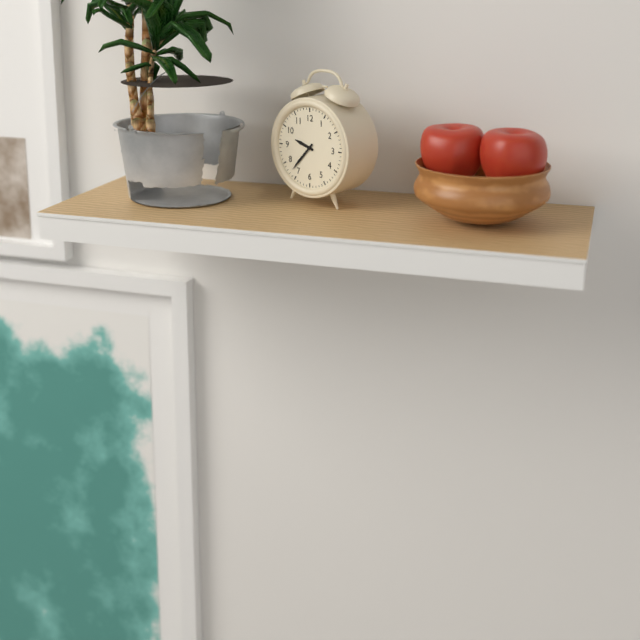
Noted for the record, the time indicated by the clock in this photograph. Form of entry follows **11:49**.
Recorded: **9:37**
